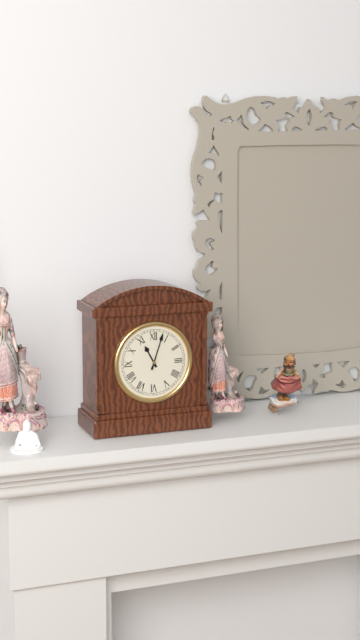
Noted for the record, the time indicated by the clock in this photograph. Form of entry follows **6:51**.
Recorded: **11:03**
